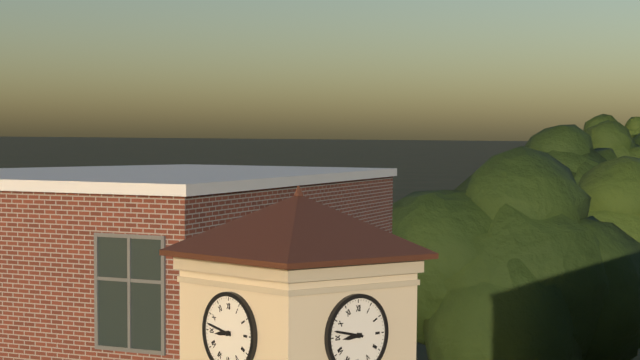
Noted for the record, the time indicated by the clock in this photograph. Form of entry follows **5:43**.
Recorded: **8:47**
